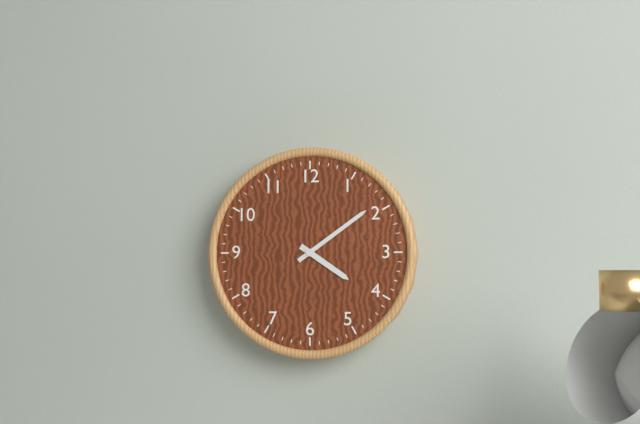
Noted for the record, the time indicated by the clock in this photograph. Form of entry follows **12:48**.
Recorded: **4:09**
